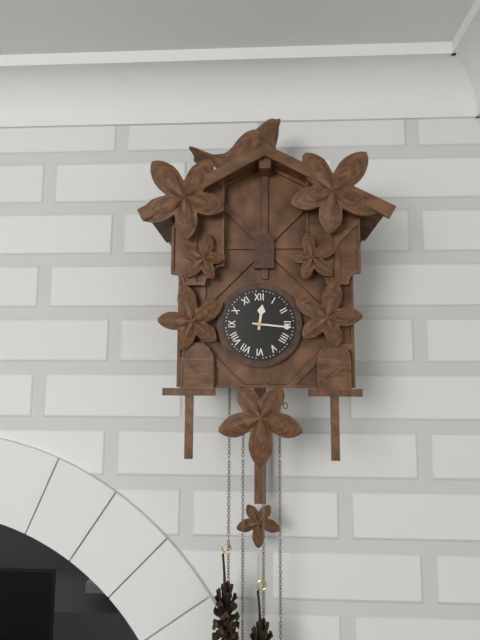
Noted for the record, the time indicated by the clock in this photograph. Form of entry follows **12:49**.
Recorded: **12:16**
